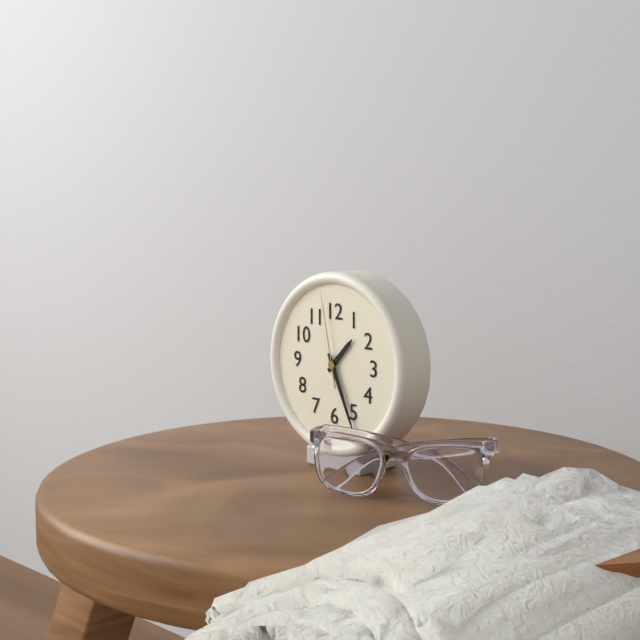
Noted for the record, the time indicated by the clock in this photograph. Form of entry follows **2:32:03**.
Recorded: **1:26:58**
